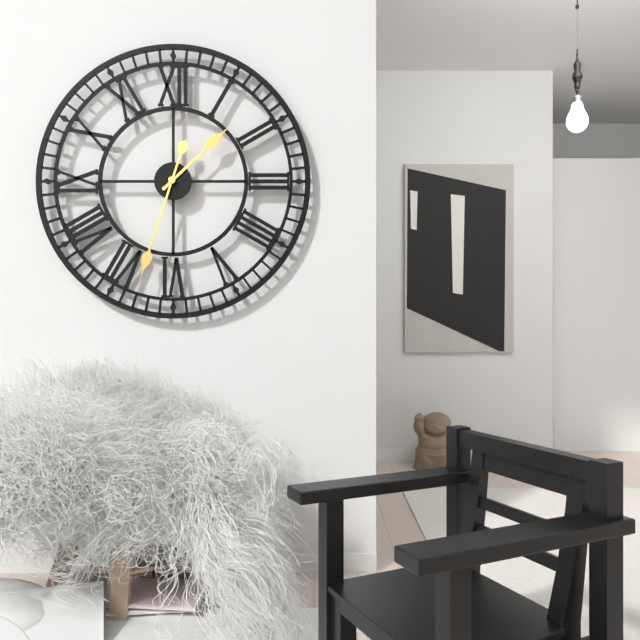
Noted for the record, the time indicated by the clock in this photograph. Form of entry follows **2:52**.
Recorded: **1:33**
